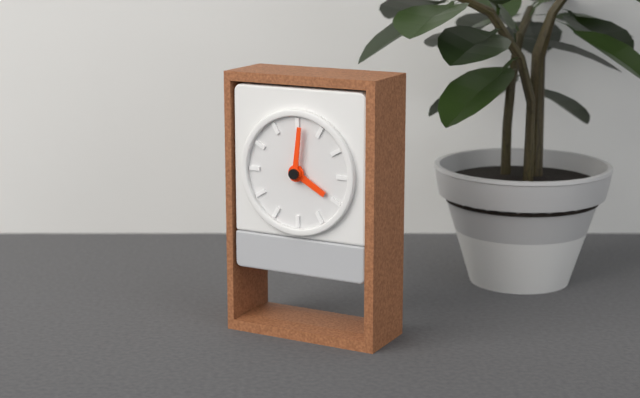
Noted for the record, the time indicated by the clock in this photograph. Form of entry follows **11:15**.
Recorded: **4:01**
